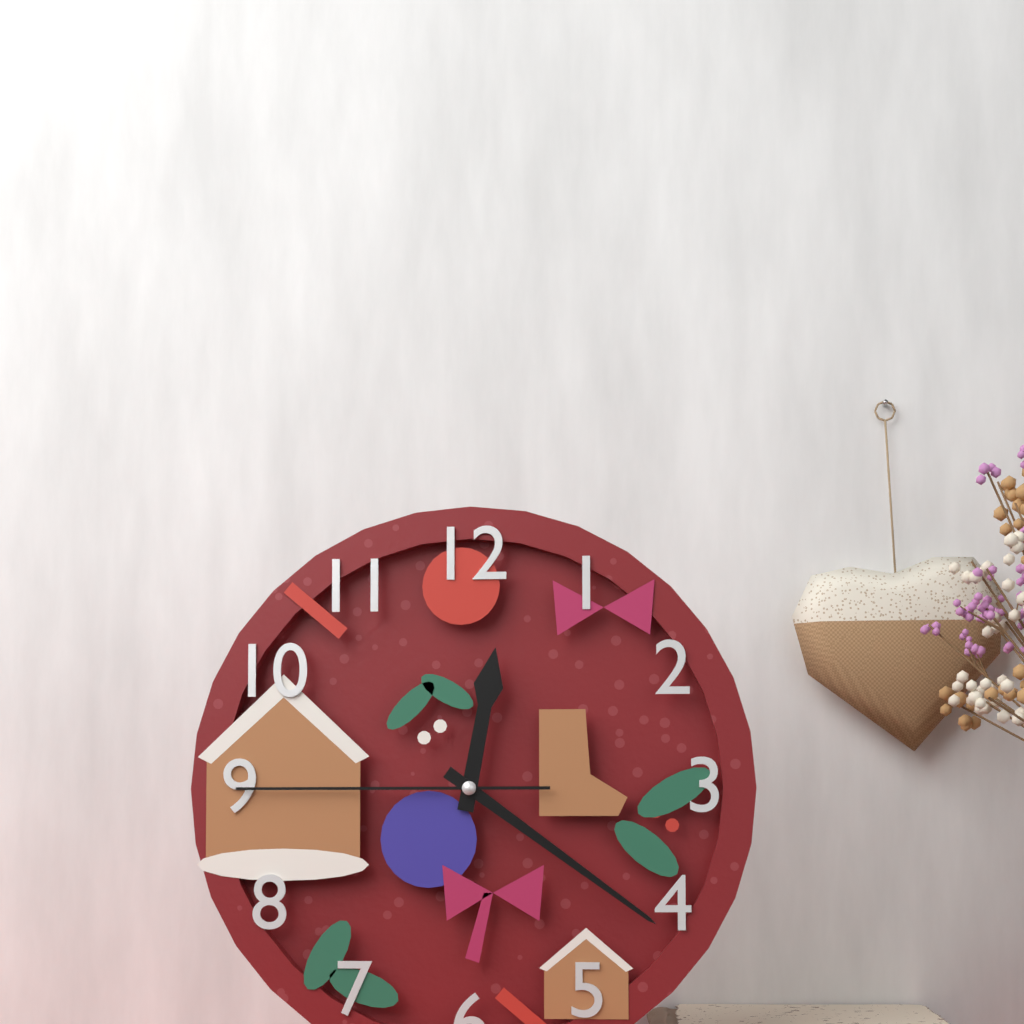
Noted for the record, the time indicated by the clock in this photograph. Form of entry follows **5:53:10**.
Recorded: **12:21:45**
